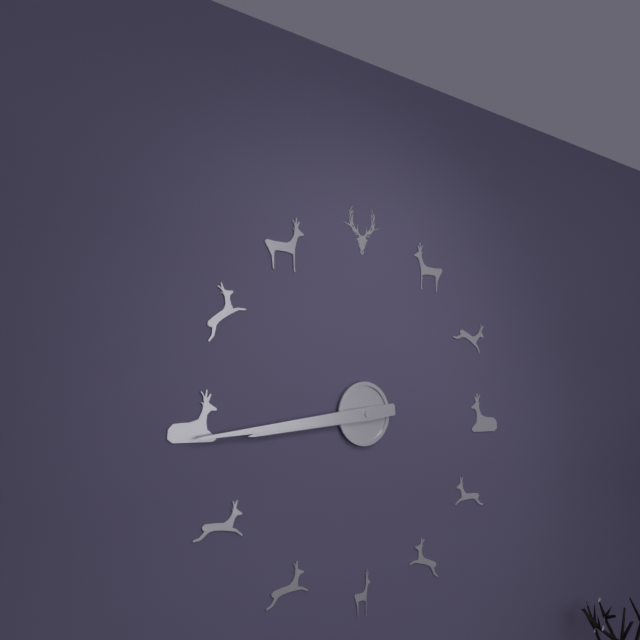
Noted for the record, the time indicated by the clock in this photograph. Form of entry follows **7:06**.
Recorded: **8:44**
